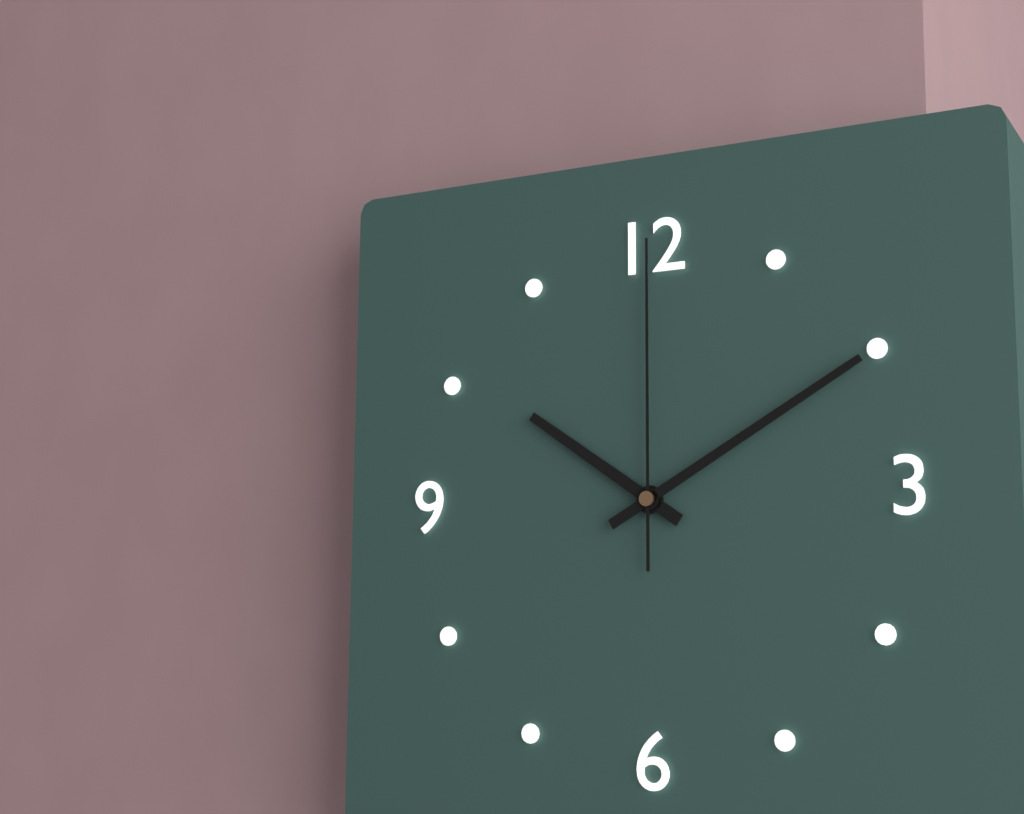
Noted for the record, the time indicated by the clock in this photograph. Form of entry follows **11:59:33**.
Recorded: **10:10:00**
